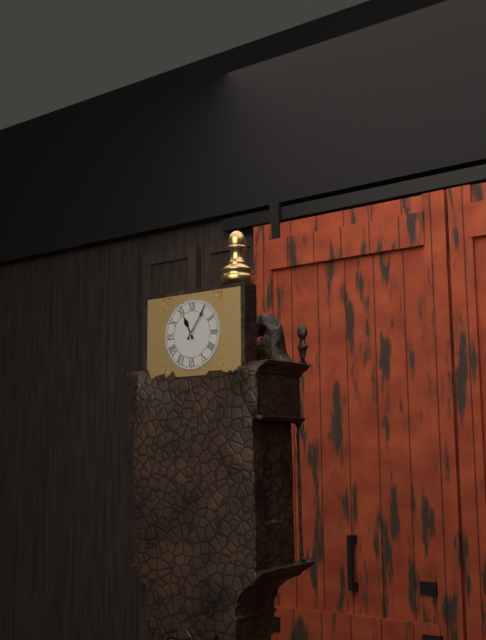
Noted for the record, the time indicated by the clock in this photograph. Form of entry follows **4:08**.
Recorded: **11:06**
